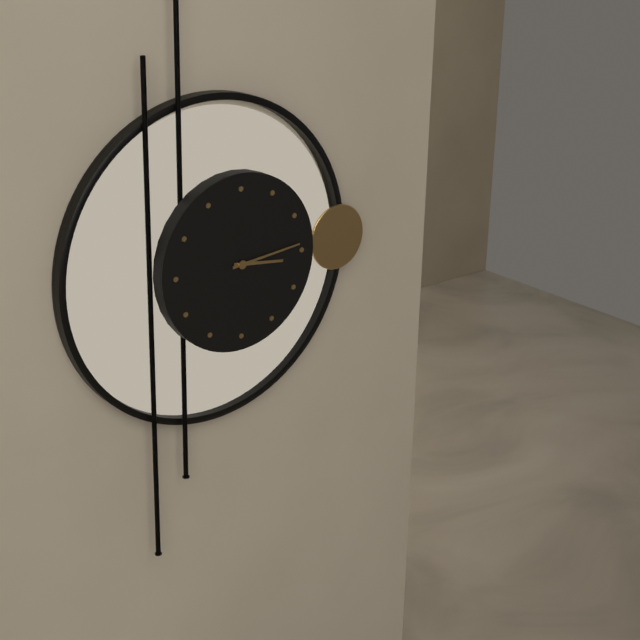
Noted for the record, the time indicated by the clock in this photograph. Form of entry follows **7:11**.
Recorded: **3:14**
